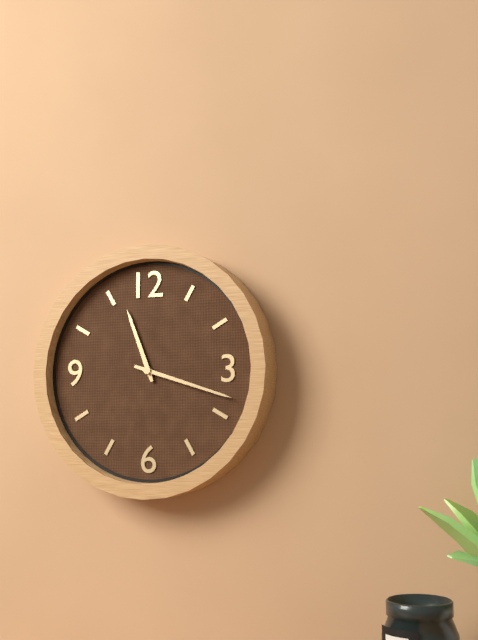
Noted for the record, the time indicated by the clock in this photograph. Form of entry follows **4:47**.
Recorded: **11:18**
